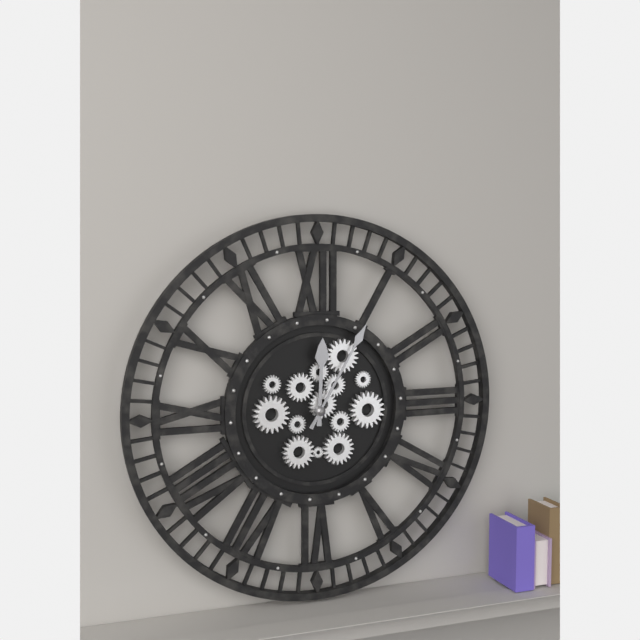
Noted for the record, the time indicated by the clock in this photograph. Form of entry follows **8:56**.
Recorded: **12:05**
